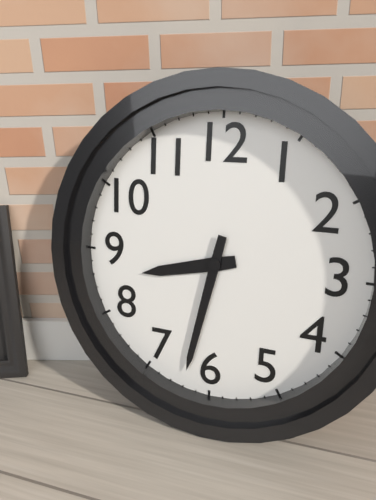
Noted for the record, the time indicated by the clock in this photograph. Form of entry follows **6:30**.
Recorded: **8:32**
